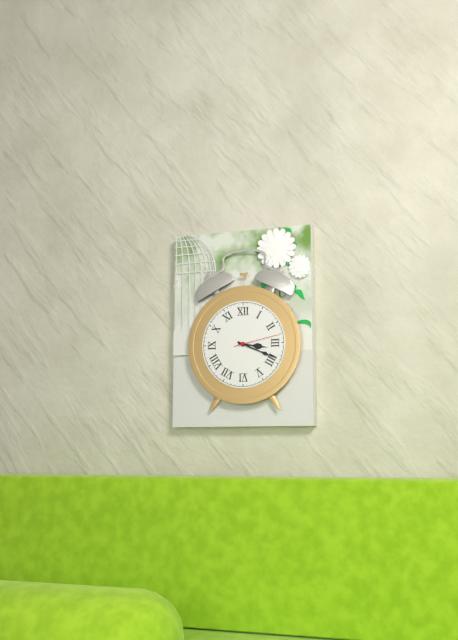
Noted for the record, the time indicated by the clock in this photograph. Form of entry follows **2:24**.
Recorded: **3:19**
